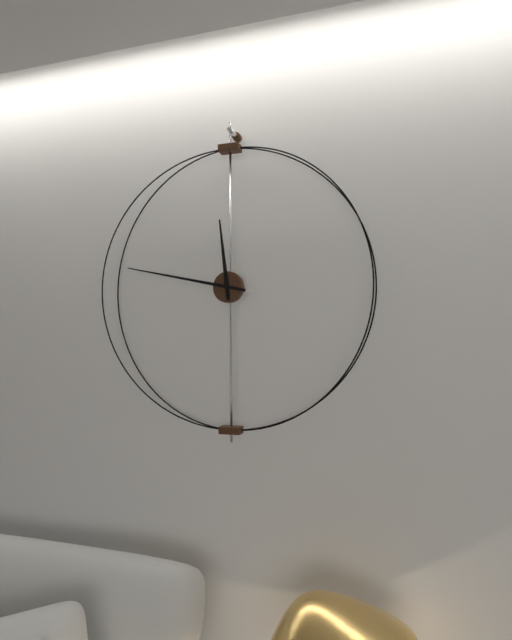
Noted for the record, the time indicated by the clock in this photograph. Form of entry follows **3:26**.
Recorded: **11:47**
